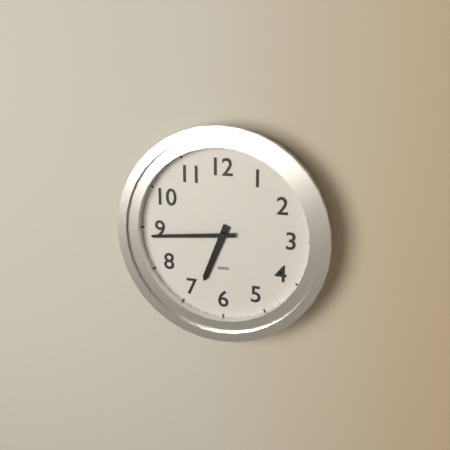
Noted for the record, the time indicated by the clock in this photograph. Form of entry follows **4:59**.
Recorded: **6:44**
